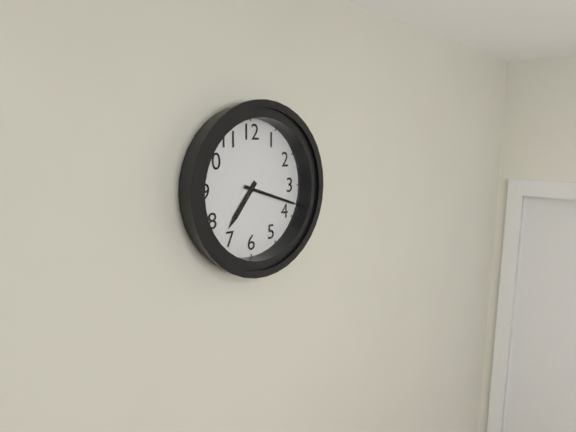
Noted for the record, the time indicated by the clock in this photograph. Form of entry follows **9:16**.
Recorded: **7:18**
